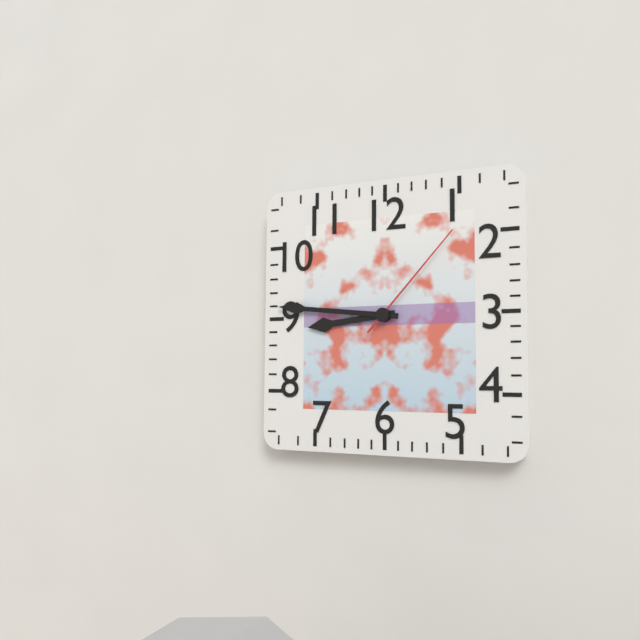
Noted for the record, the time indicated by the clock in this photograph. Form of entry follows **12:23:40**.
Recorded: **8:46:07**
